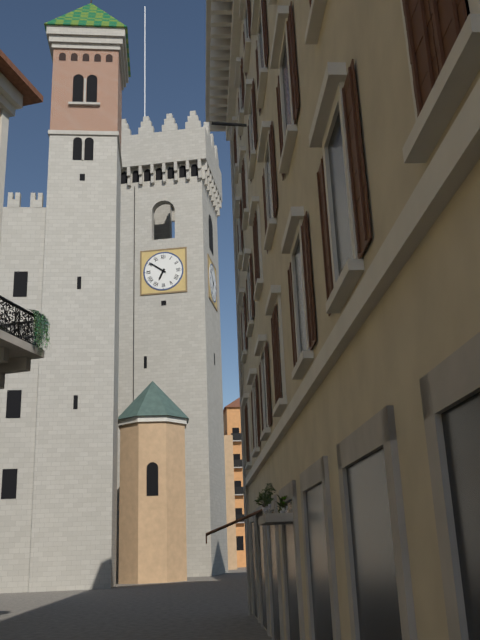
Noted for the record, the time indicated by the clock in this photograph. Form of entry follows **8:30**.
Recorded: **6:51**
